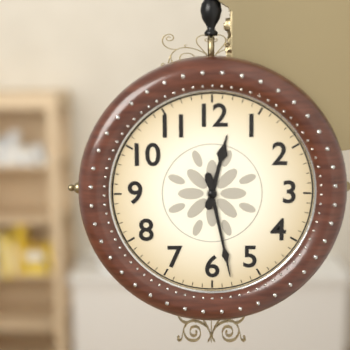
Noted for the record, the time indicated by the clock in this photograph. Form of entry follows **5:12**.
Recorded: **12:28**
